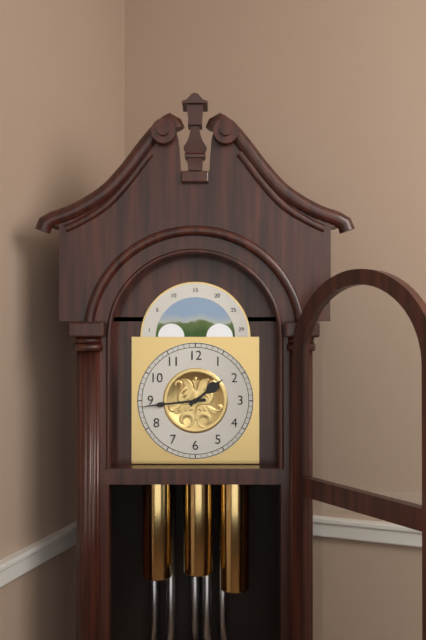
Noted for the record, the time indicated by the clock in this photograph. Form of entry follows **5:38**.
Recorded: **1:44**
